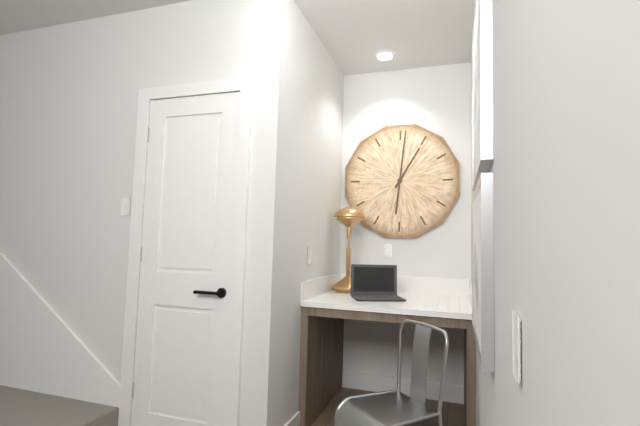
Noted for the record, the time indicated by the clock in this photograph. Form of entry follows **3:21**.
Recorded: **1:01**
